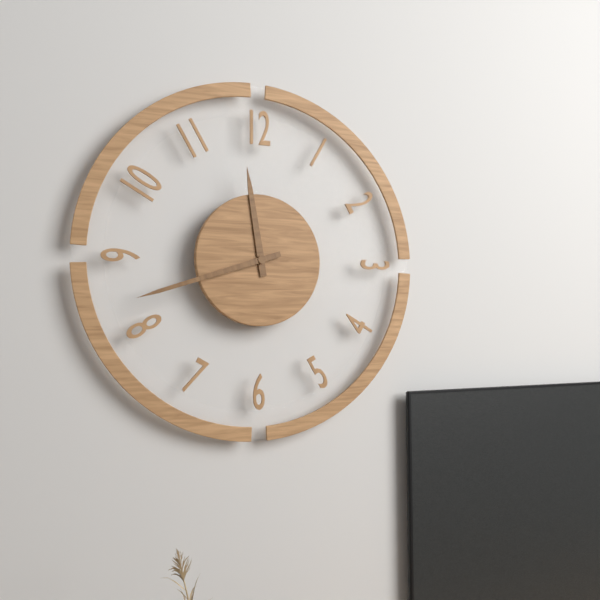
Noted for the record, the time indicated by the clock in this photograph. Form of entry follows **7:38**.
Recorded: **11:42**
